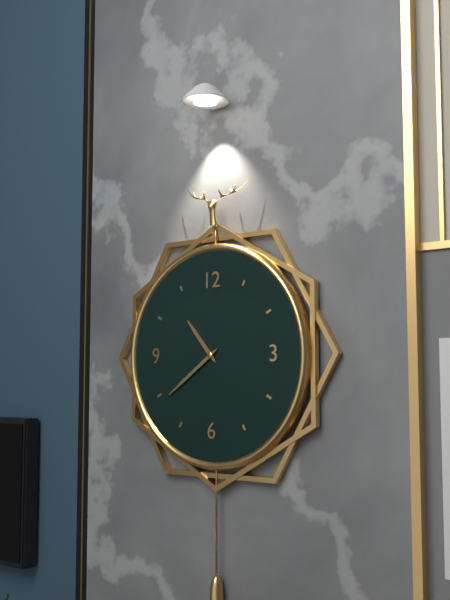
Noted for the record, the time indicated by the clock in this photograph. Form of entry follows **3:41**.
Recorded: **10:39**
